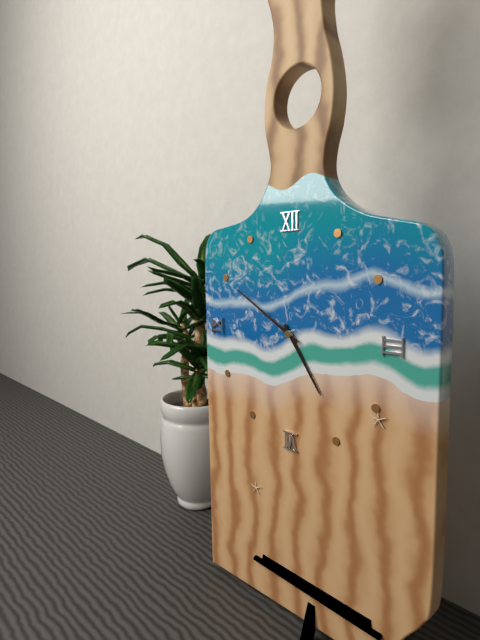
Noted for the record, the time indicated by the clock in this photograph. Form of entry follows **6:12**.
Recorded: **4:50**
